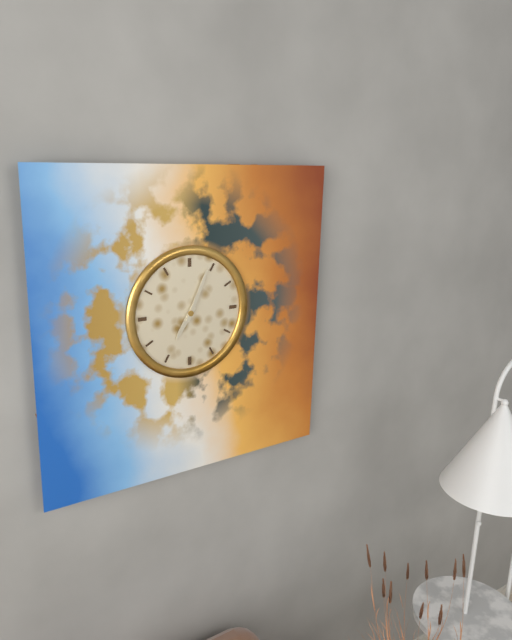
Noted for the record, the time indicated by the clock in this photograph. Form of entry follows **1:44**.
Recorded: **7:04**
